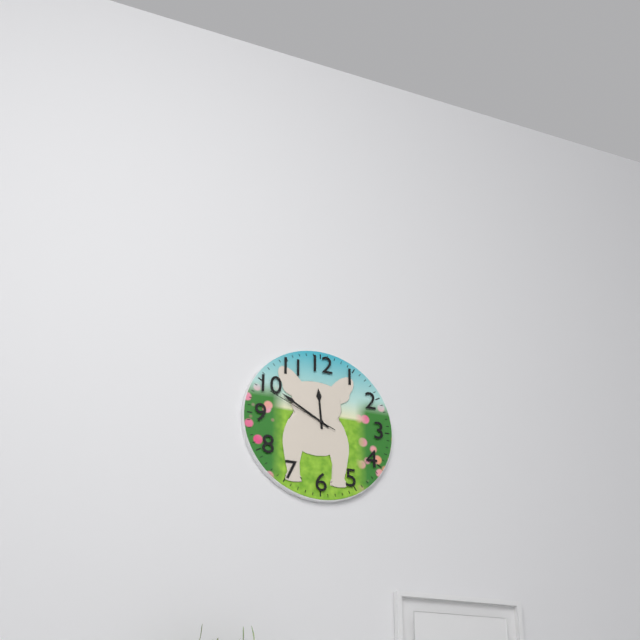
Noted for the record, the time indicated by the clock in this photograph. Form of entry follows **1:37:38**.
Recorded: **11:50:49**
